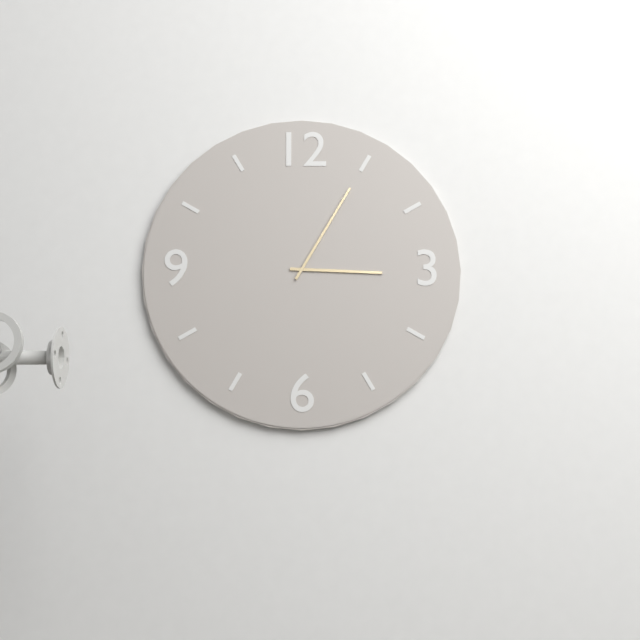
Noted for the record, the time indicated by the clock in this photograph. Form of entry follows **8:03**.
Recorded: **3:05**
